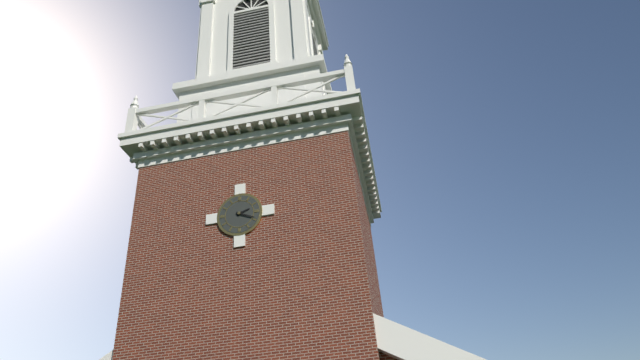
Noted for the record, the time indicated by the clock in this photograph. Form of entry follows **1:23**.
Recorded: **2:19**
